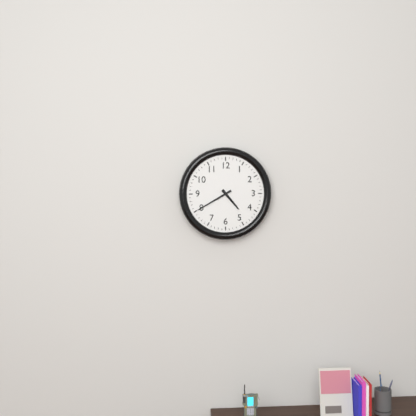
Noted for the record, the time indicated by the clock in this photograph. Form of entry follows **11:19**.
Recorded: **4:40**
